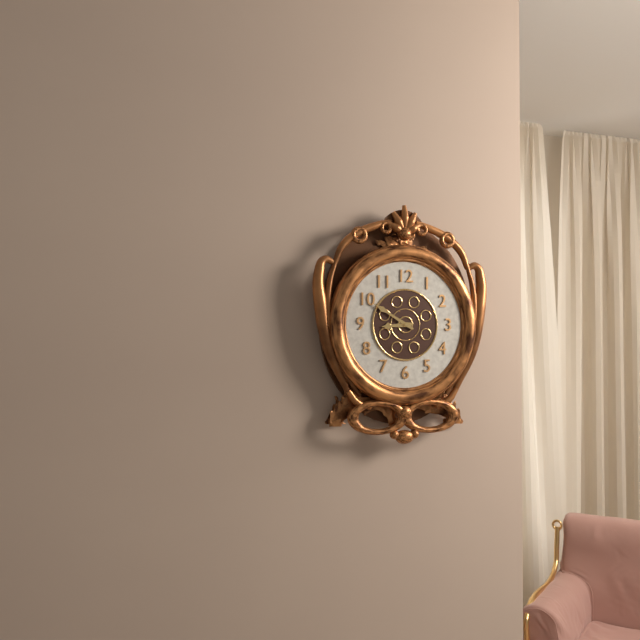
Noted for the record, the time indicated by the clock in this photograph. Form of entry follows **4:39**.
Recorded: **8:50**
